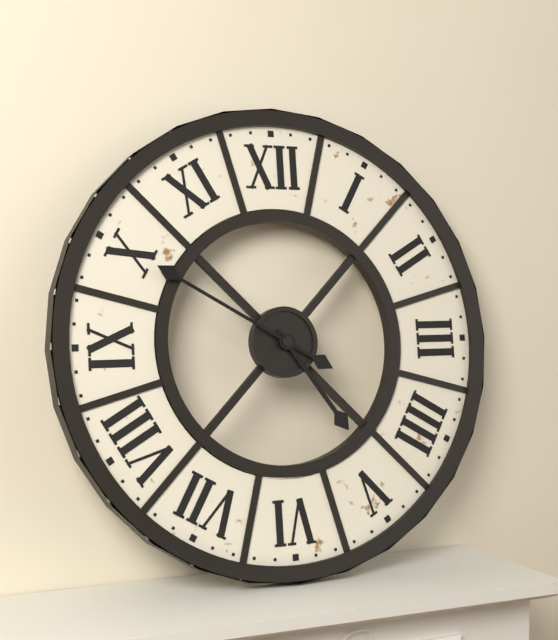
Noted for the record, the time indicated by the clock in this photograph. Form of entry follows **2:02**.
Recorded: **4:50**
